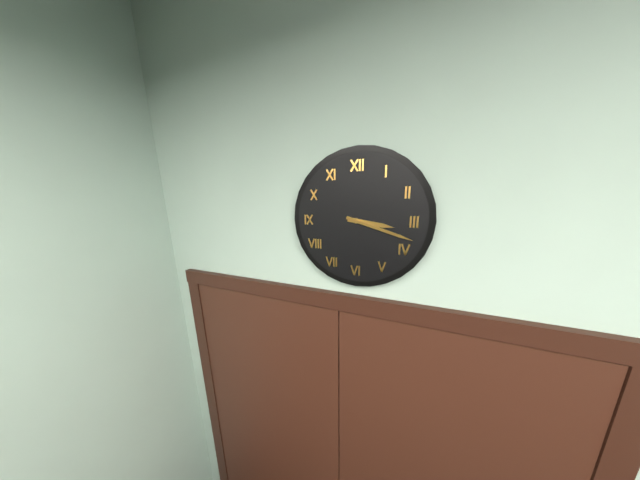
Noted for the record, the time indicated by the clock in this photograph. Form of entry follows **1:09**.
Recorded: **3:18**
